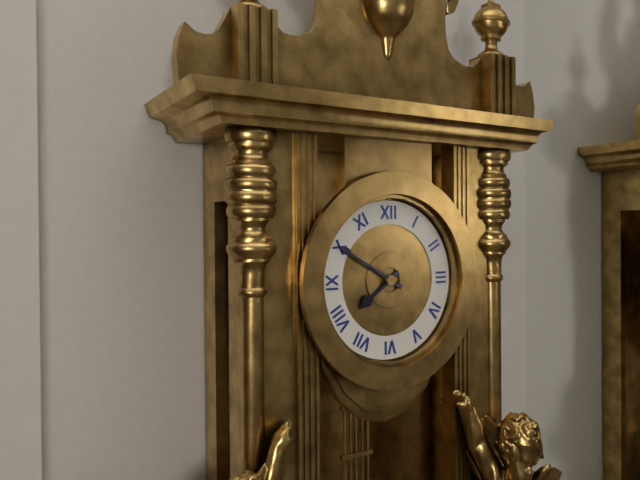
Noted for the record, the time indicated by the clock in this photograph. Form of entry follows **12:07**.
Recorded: **7:50**
